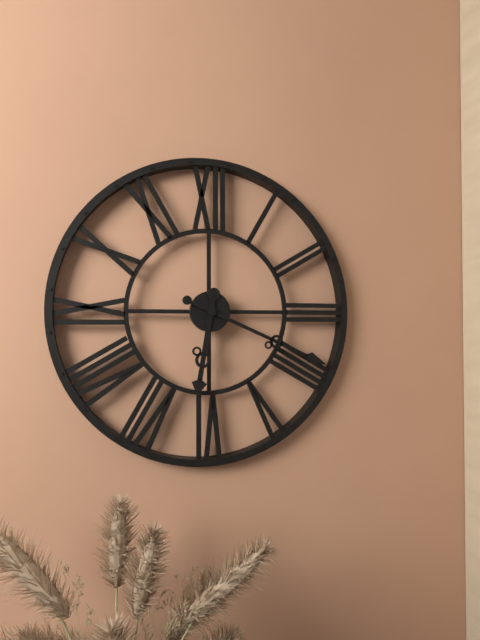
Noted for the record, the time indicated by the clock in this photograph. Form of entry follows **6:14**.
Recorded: **6:19**
